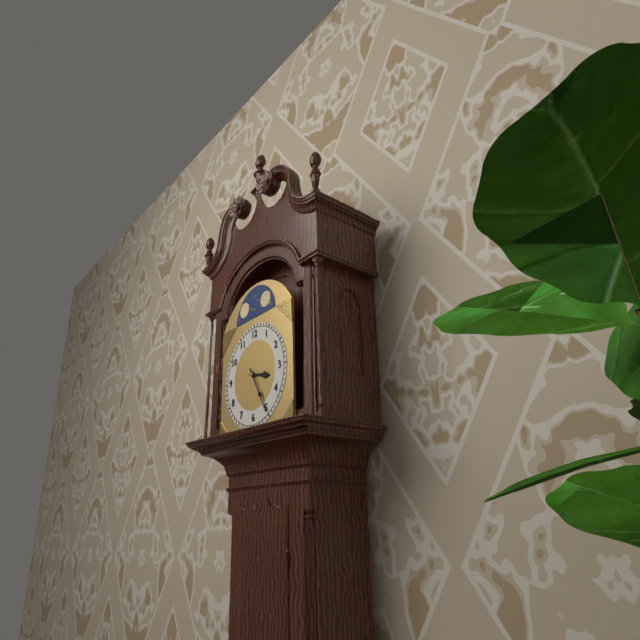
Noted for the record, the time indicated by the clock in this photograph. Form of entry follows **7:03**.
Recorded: **3:25**
